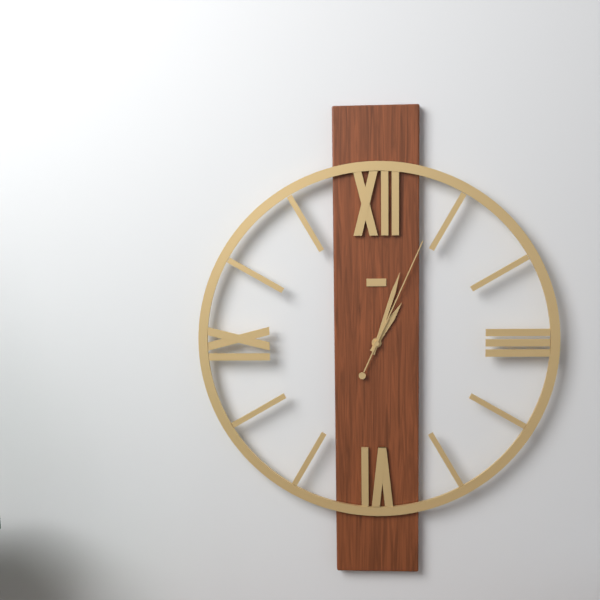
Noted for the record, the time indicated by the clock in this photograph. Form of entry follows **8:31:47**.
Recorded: **1:03:04**
